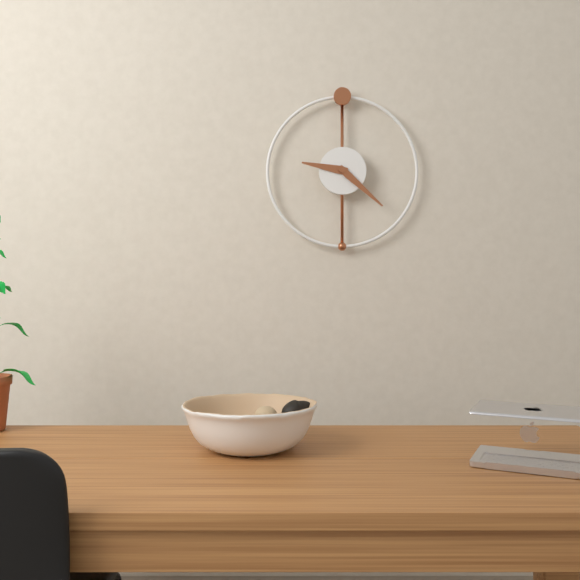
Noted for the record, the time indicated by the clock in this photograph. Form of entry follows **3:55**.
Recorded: **9:22**
